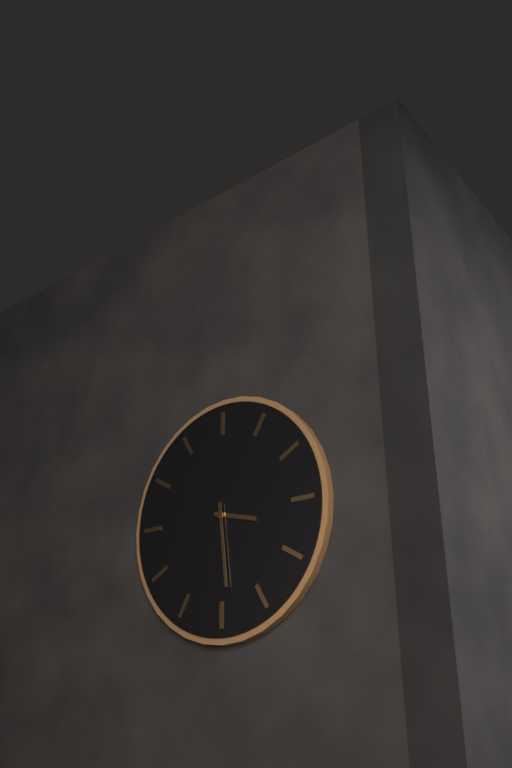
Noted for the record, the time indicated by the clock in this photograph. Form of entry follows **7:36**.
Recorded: **3:29**
